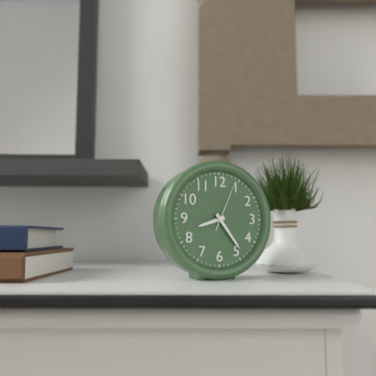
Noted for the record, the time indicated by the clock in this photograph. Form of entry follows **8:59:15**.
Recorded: **8:24:04**
